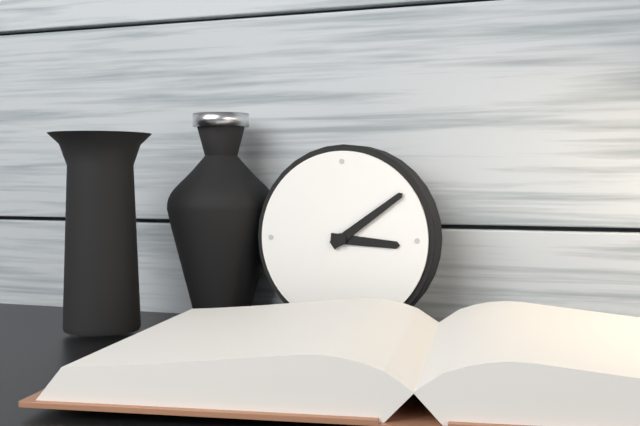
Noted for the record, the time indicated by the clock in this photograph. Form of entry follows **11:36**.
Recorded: **3:09**
